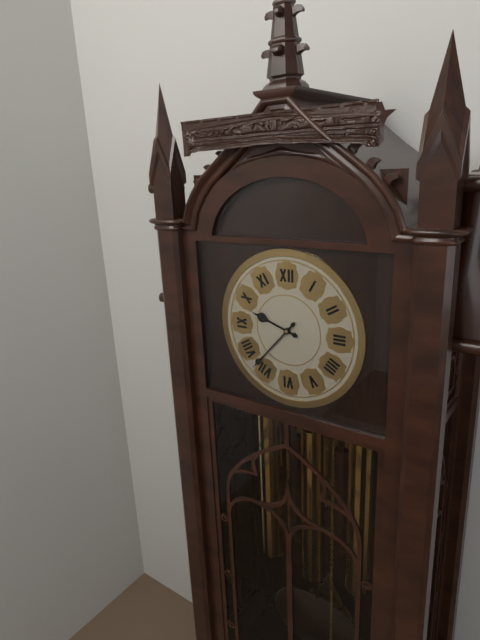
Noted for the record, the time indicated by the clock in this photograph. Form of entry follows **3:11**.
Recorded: **9:37**
